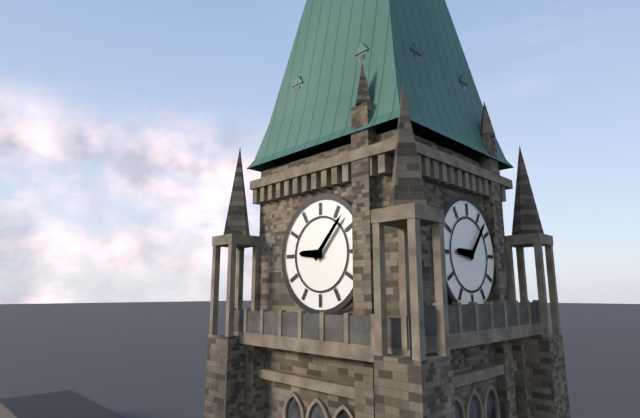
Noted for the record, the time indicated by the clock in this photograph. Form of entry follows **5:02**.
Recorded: **9:07**
